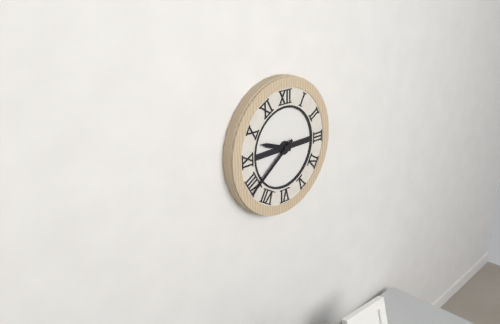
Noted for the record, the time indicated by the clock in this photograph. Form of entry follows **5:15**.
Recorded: **9:39**
